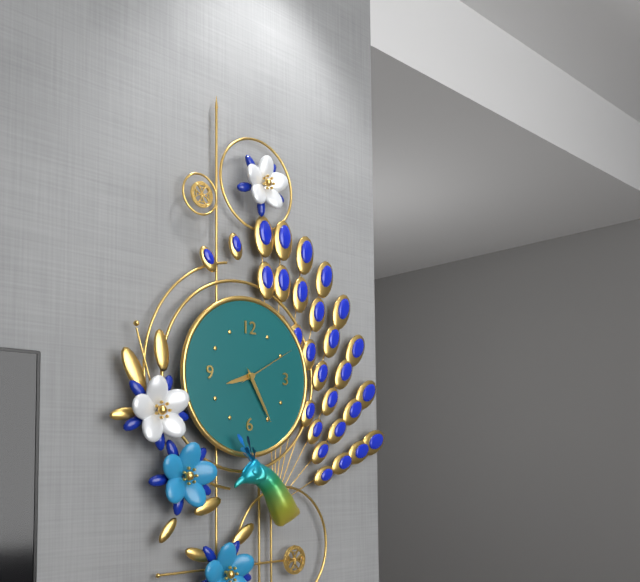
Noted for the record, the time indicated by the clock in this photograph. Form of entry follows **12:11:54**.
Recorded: **8:25:10**
